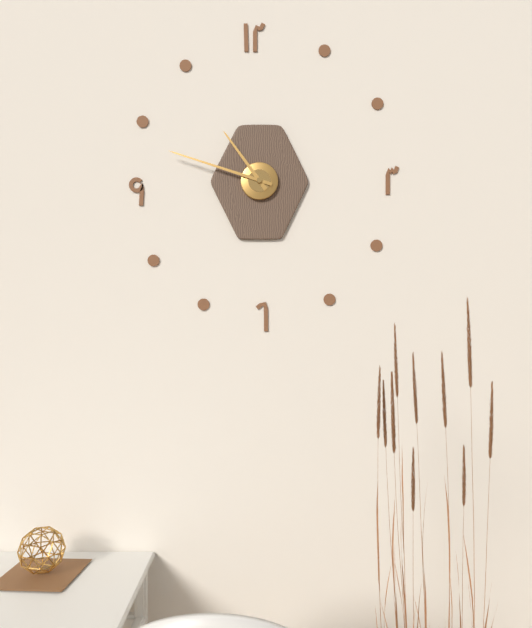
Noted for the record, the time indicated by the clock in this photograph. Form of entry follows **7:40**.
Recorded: **10:48**
